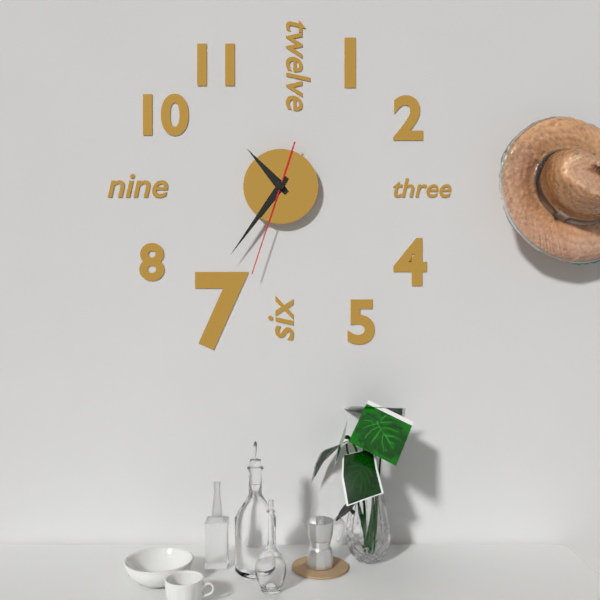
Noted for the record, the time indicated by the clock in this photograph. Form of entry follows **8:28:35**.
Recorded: **10:36:33**
